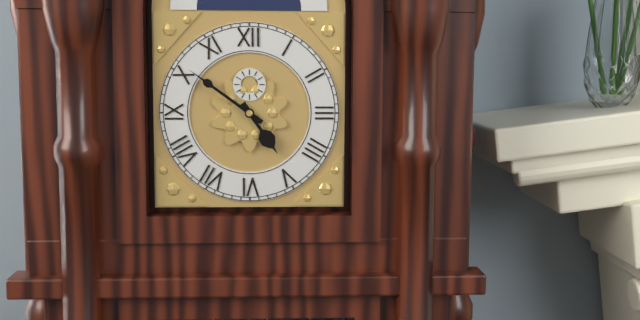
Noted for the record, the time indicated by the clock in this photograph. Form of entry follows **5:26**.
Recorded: **4:51**
